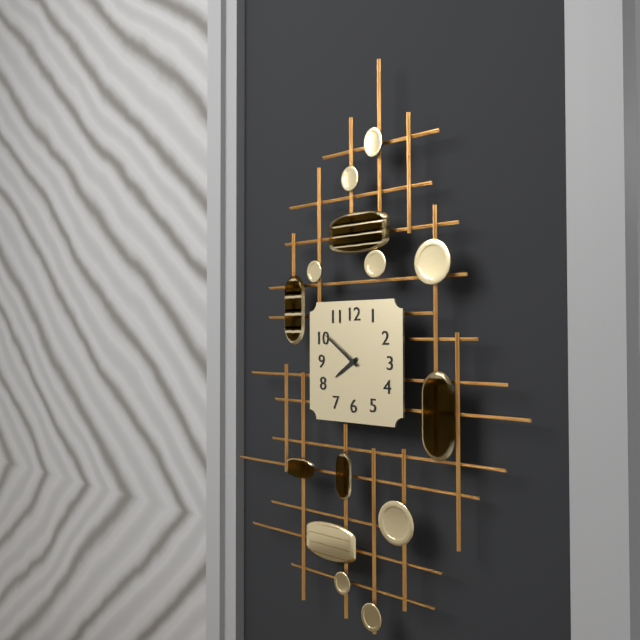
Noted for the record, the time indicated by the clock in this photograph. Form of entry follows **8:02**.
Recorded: **7:51**
